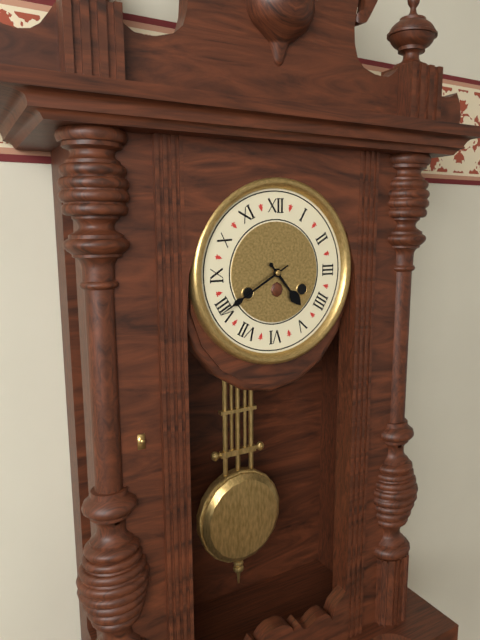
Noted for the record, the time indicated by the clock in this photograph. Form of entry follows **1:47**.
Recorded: **4:40**
